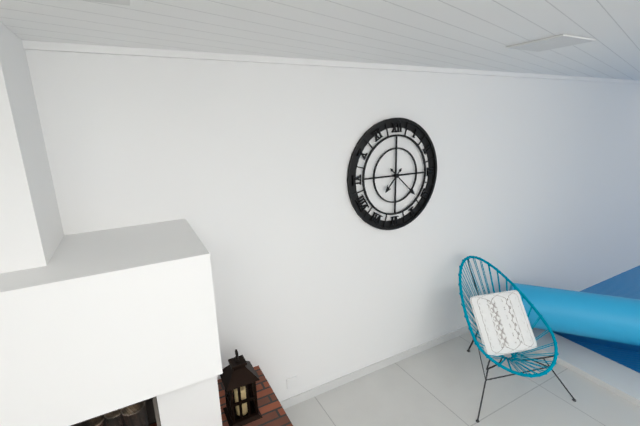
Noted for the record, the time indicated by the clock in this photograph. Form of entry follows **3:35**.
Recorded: **7:22**
